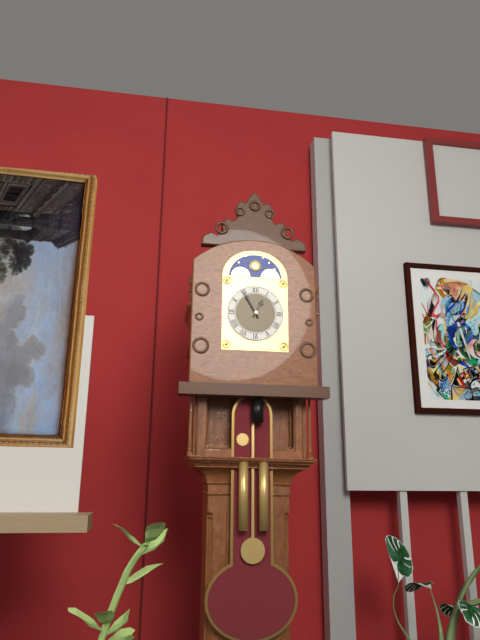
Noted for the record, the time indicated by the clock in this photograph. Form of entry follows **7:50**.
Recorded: **12:55**
